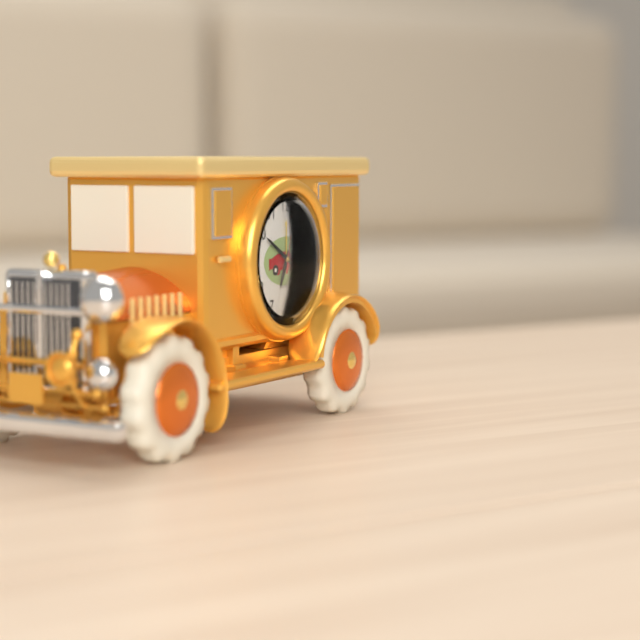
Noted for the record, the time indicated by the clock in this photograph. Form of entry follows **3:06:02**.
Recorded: **6:50:02**
